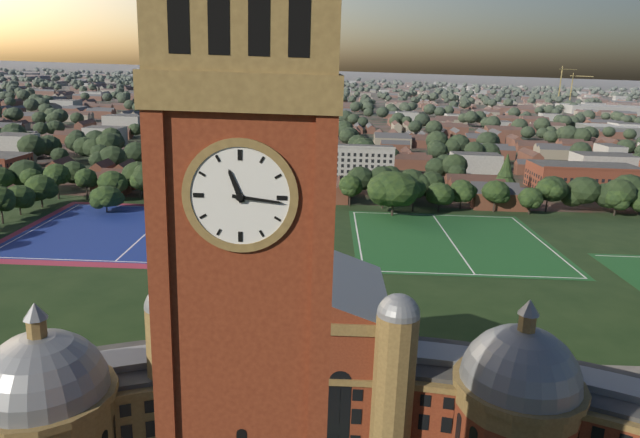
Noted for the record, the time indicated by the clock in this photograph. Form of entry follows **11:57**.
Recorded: **11:16**
